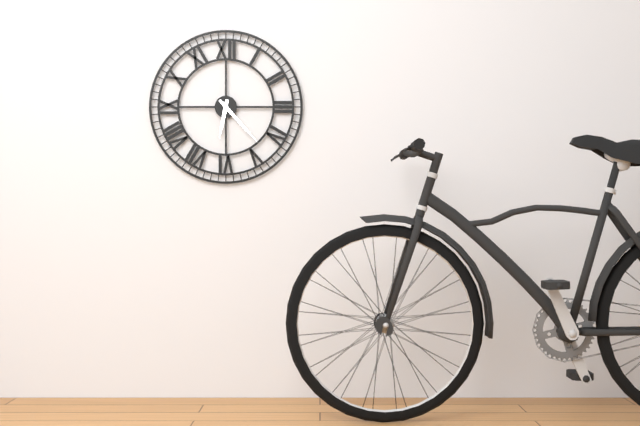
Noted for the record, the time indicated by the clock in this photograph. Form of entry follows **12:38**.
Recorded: **6:23**
